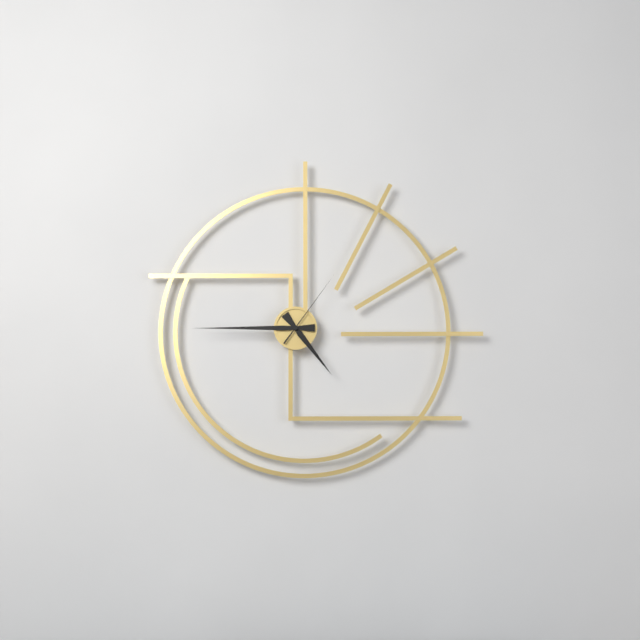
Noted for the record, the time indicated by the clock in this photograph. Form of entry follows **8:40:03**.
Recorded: **4:45:06**
